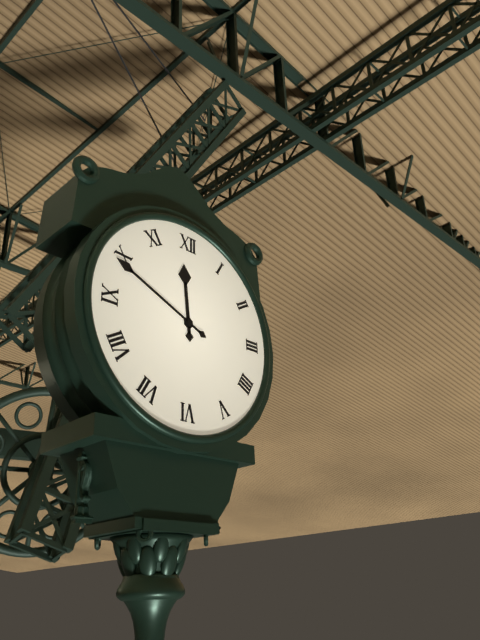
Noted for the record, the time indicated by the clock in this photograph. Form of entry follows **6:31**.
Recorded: **11:49**
